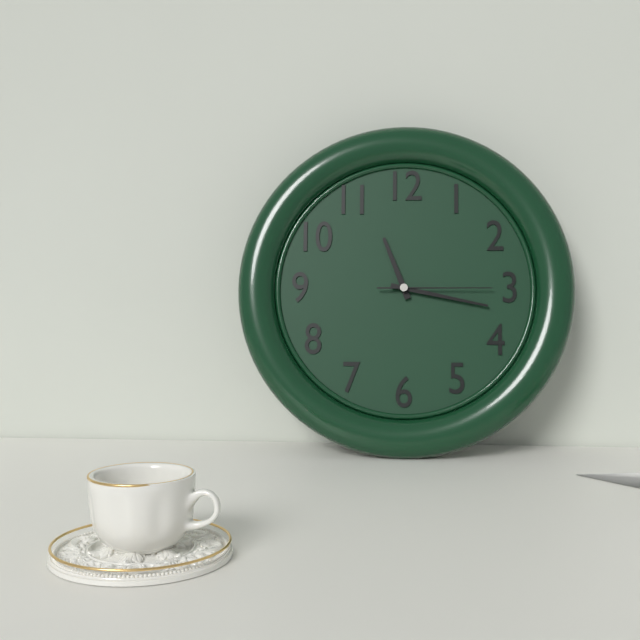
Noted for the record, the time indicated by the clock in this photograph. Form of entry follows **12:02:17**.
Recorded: **11:17:15**
